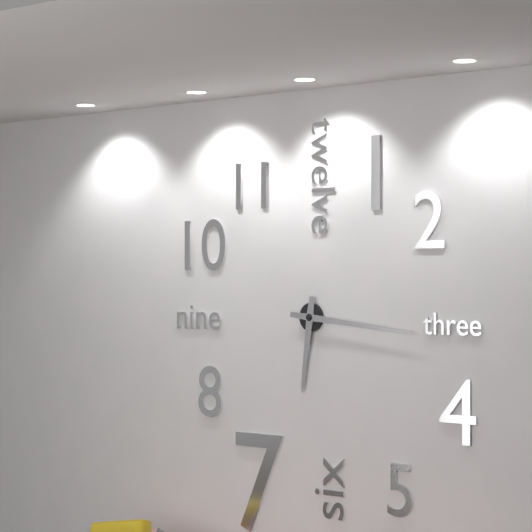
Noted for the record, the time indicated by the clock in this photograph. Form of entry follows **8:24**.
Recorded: **6:16**
